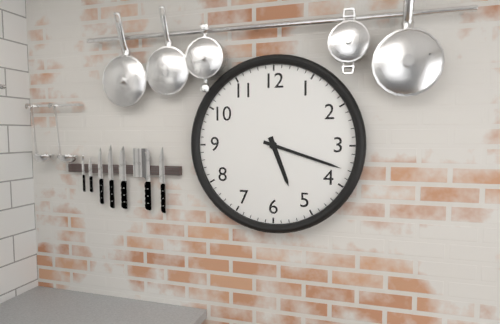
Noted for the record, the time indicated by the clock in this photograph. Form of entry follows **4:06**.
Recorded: **5:18**
